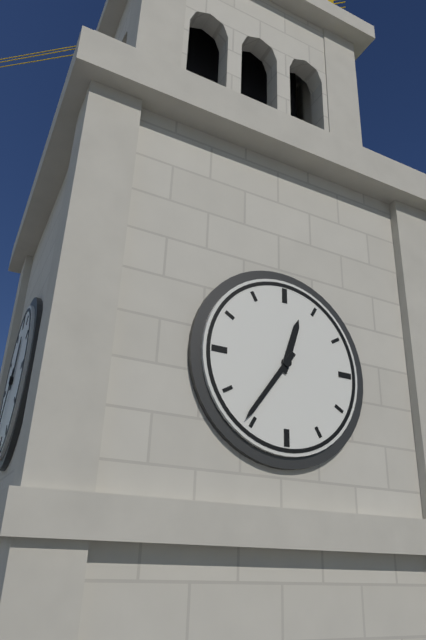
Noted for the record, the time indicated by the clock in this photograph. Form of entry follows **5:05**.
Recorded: **12:36**
